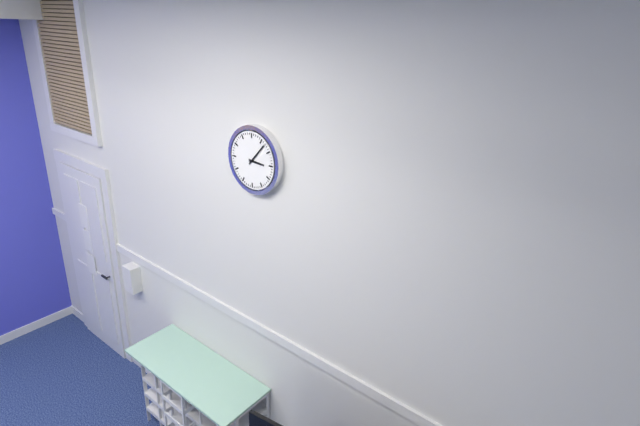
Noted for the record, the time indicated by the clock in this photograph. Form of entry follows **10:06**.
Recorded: **3:07**
